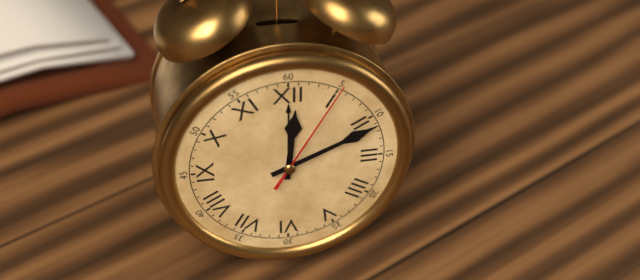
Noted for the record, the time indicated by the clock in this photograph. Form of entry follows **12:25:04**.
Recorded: **12:11:05**
